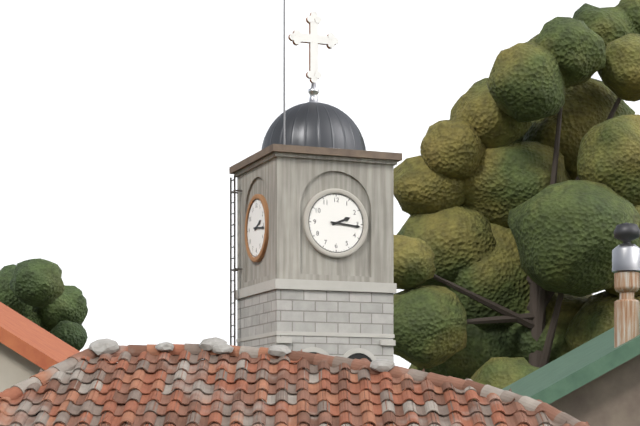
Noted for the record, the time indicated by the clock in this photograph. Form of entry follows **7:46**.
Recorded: **2:16**
